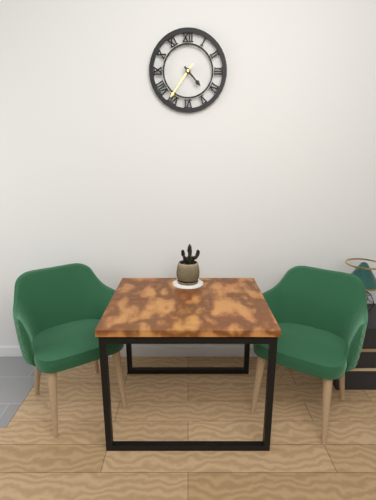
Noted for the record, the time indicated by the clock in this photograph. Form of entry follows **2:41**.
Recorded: **4:36**
